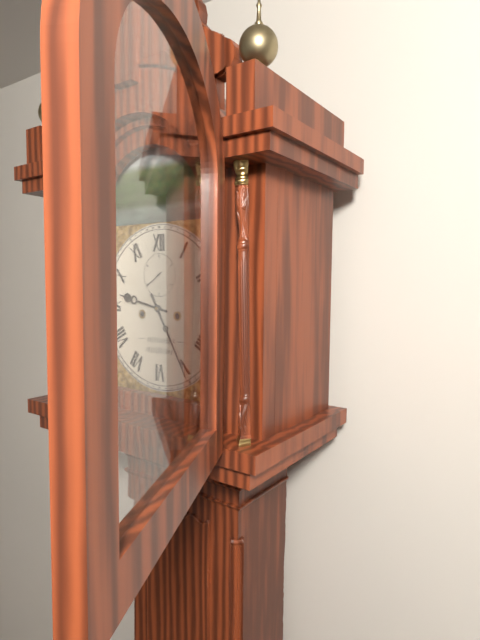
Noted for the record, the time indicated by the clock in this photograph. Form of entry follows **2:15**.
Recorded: **9:25**
